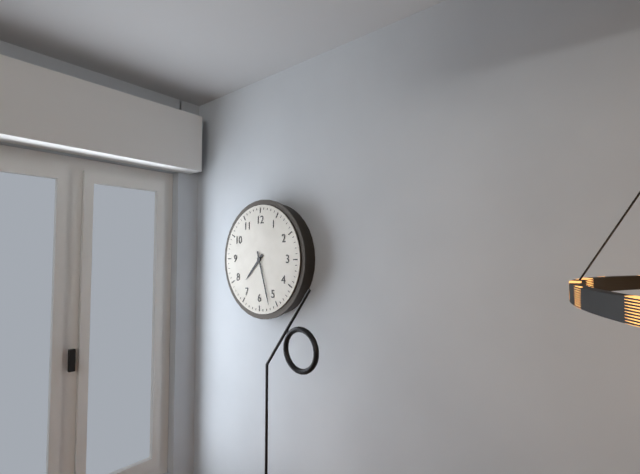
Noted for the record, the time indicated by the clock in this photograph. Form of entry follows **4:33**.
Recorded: **7:27**
